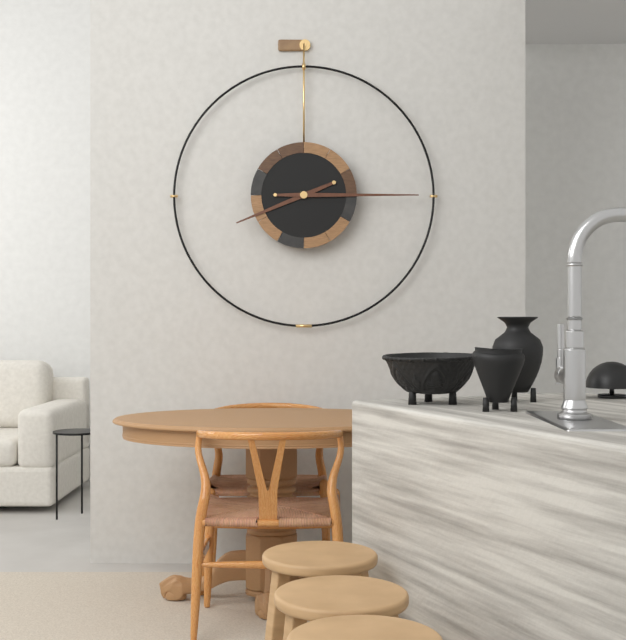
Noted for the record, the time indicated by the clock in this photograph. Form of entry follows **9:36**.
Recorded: **8:15**
